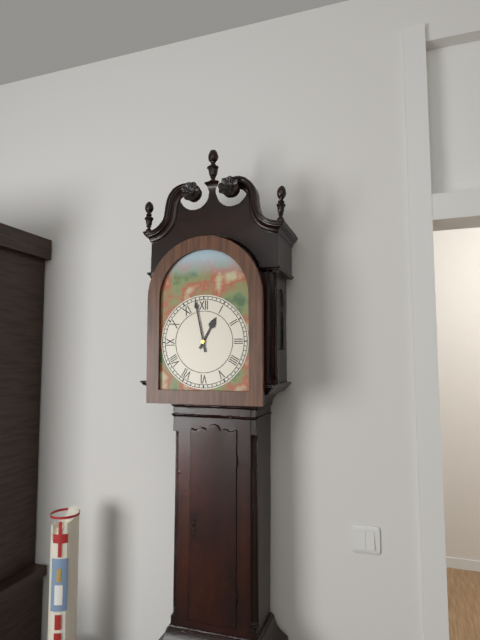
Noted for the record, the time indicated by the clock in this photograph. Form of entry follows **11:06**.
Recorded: **12:58**
